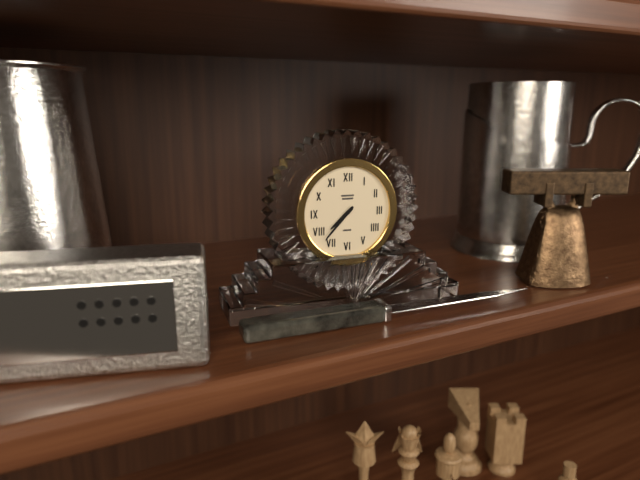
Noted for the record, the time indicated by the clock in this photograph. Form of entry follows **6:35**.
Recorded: **7:37**
